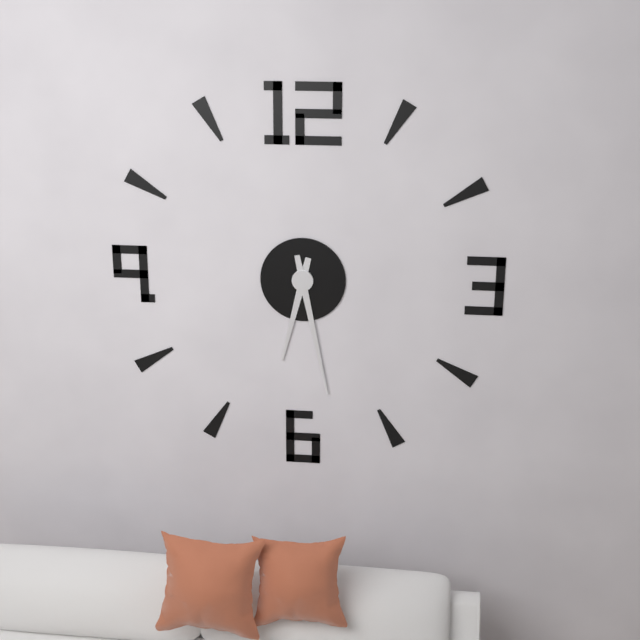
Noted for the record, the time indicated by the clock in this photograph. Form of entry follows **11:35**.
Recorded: **6:28**
